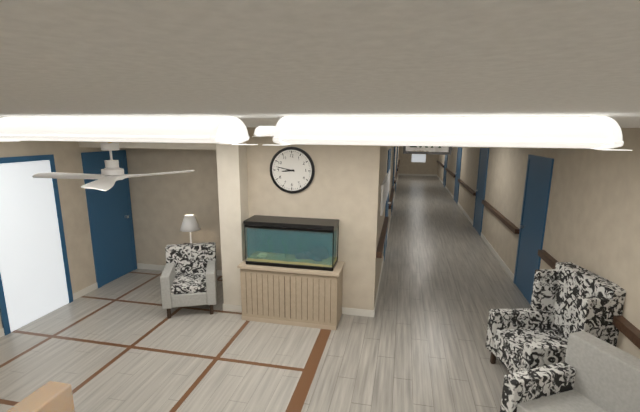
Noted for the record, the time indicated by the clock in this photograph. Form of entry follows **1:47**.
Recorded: **8:47**
